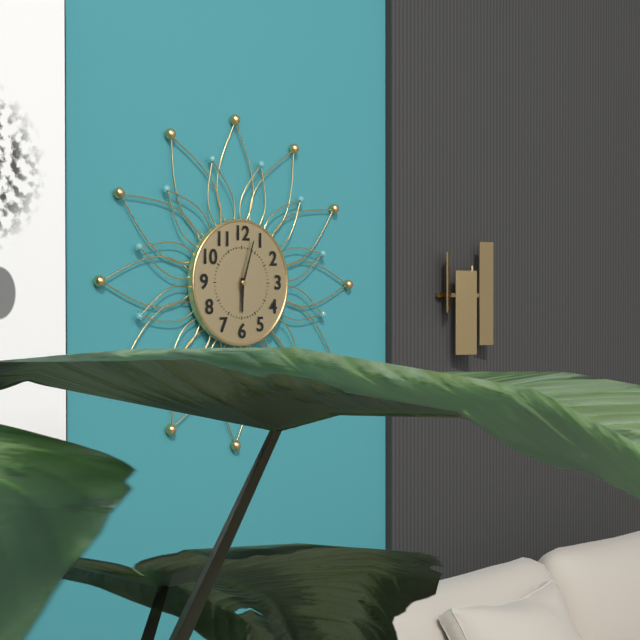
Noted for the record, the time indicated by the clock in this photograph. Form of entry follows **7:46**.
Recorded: **6:03**
